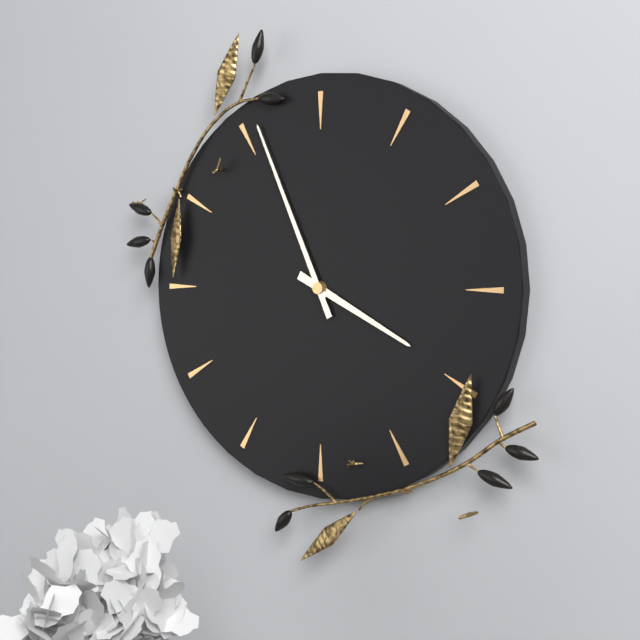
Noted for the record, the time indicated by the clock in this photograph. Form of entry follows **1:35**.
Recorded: **3:56**
